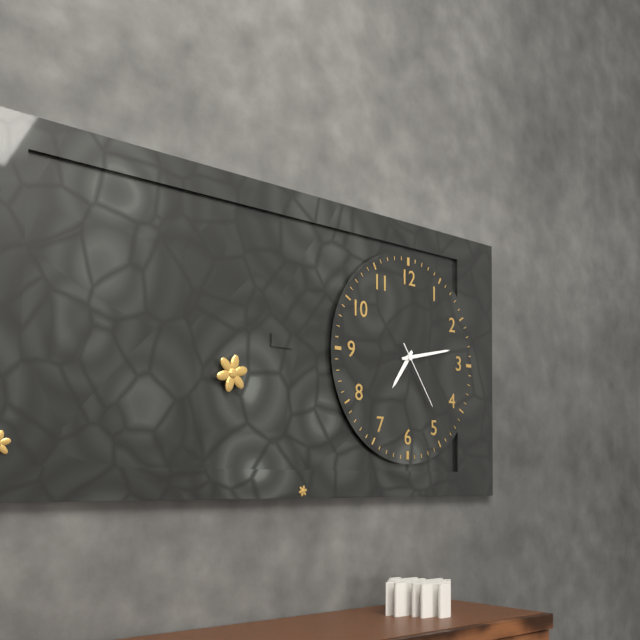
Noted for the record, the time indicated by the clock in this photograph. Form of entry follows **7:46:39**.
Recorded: **7:13:24**
